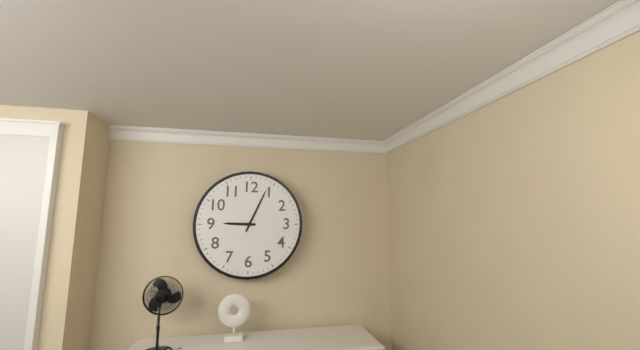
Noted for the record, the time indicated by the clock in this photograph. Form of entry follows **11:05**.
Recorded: **9:04**
